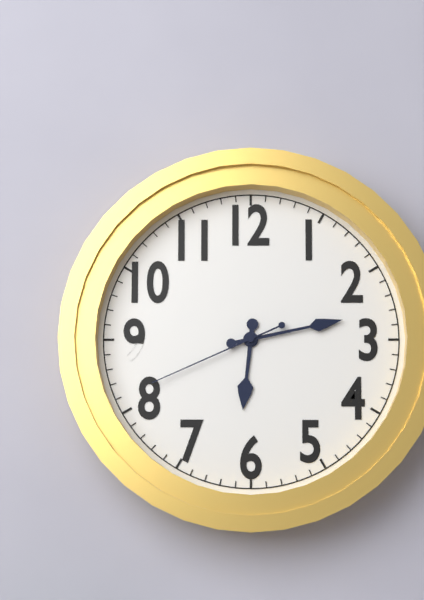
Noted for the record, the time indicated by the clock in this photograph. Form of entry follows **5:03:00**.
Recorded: **6:13:41**
